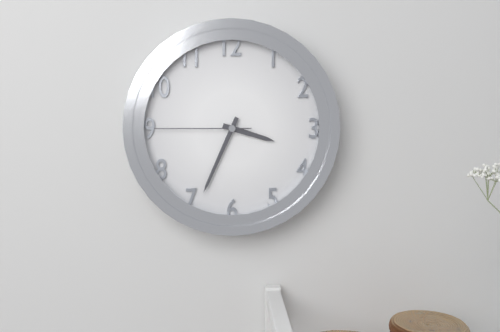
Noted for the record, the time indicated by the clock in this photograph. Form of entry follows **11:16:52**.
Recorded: **3:34:45**
